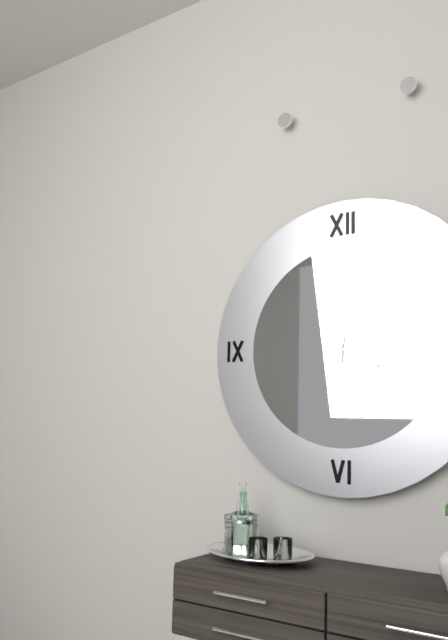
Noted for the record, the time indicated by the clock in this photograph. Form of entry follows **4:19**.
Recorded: **4:01**
